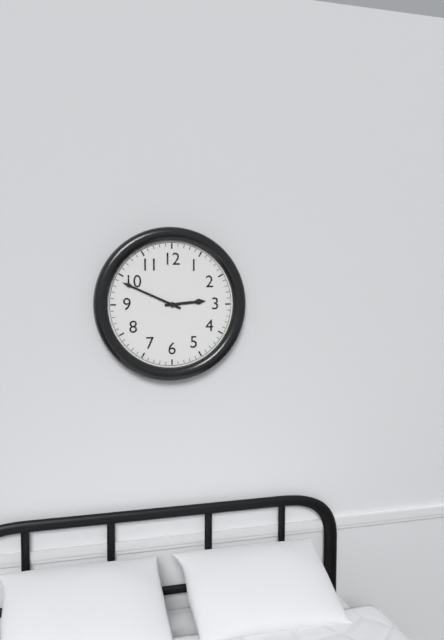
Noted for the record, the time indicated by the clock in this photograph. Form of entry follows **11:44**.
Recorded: **2:49**
